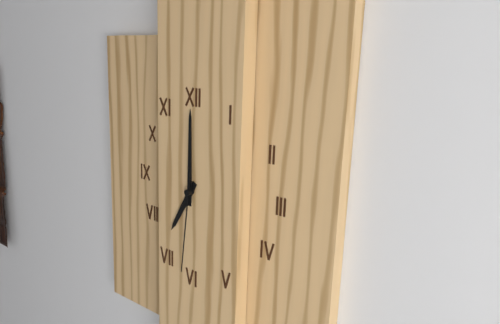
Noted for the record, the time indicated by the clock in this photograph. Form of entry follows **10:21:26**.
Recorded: **7:00:31**
